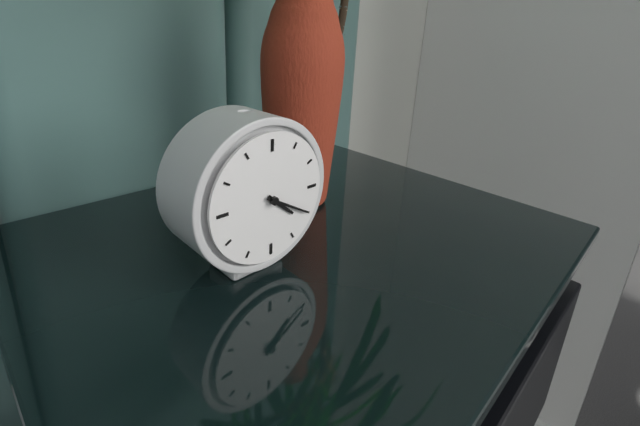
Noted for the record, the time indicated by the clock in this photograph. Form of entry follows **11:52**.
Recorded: **4:20**
